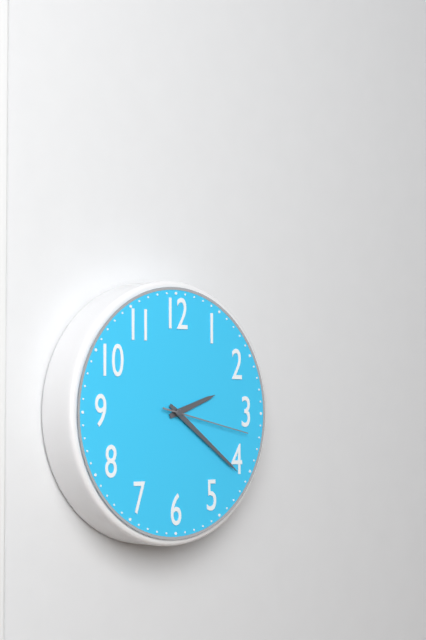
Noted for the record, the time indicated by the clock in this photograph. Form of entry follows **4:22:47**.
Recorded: **2:21:17**
